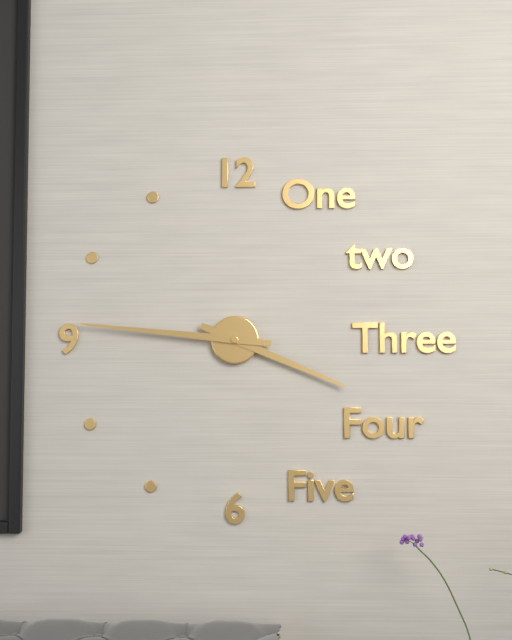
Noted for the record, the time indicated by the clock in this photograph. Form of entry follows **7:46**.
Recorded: **3:46**
